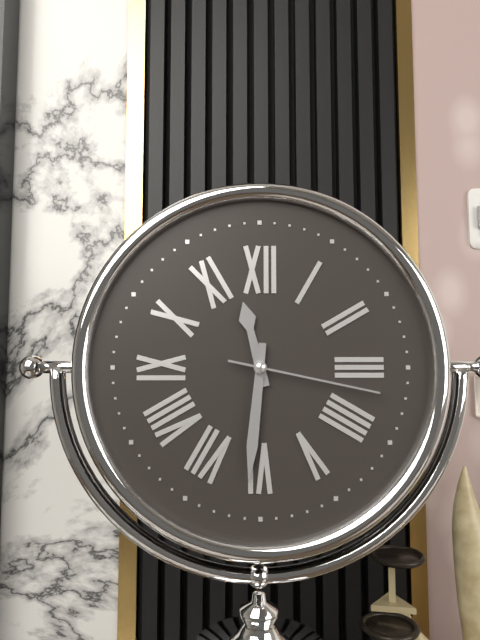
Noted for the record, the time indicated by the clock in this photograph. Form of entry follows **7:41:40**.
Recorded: **11:31:17**
